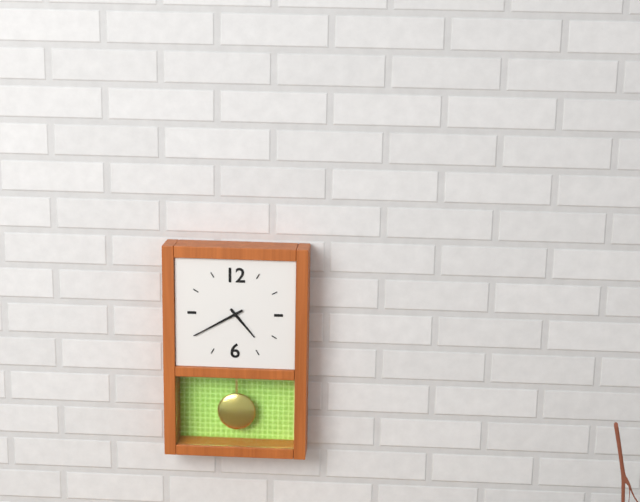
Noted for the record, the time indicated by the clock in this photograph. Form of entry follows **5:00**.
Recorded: **4:40**
